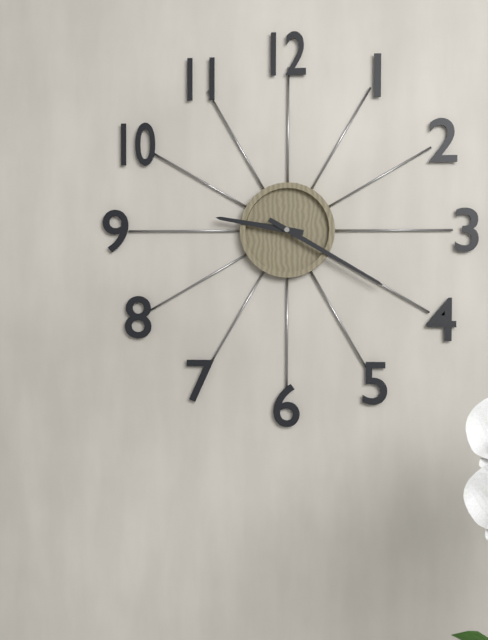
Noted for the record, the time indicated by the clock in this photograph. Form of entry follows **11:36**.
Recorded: **9:20**
